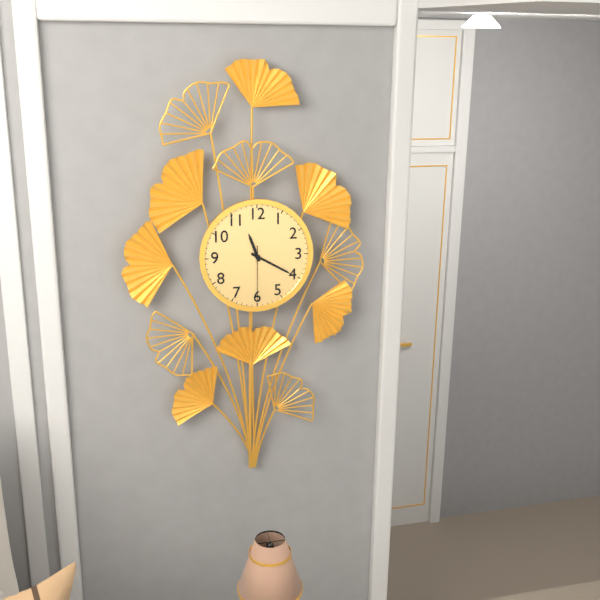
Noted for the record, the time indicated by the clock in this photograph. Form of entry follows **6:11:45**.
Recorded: **11:20:30**
